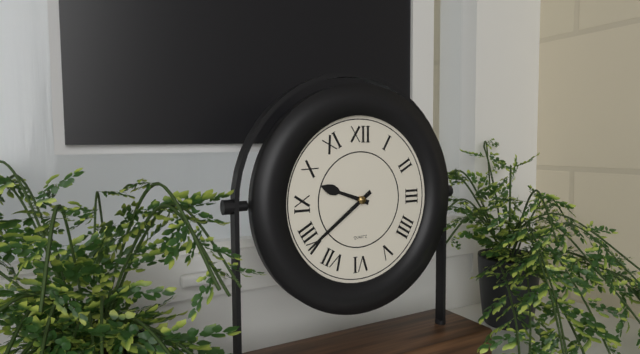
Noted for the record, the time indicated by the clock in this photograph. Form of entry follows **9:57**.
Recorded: **9:39**
